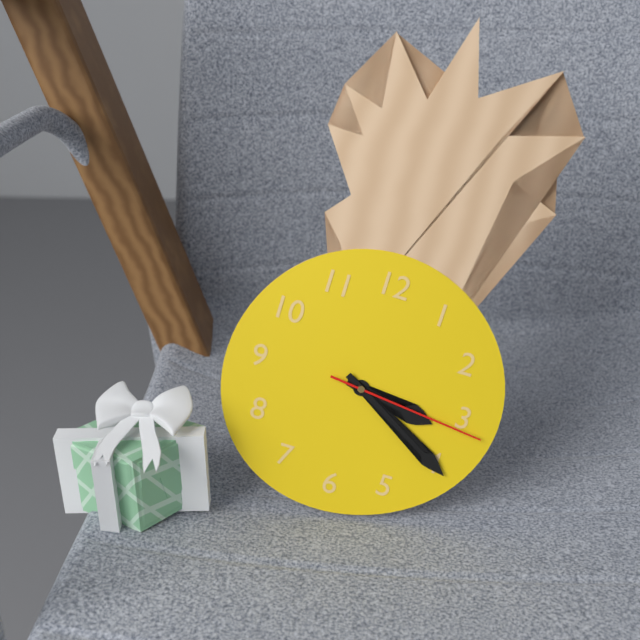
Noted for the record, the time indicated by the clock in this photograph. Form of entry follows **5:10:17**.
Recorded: **3:20:16**
